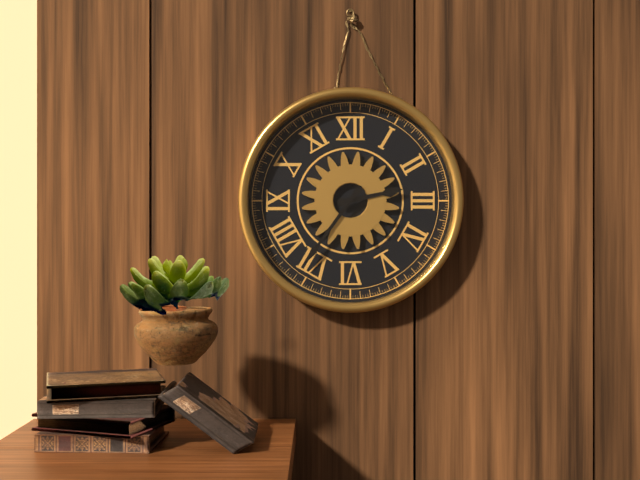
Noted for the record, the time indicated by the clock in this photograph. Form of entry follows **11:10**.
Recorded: **2:36**
